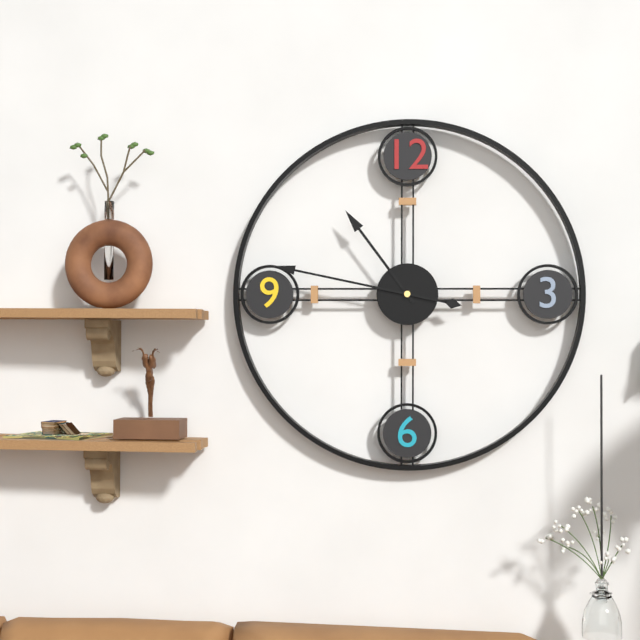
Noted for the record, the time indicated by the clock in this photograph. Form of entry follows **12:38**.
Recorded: **10:47**
